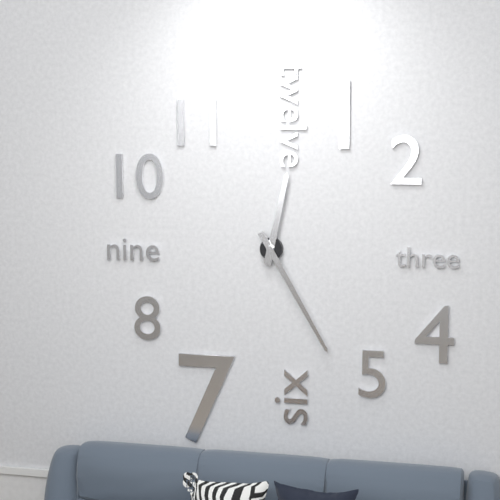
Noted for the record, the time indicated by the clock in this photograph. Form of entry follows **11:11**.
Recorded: **12:25**
